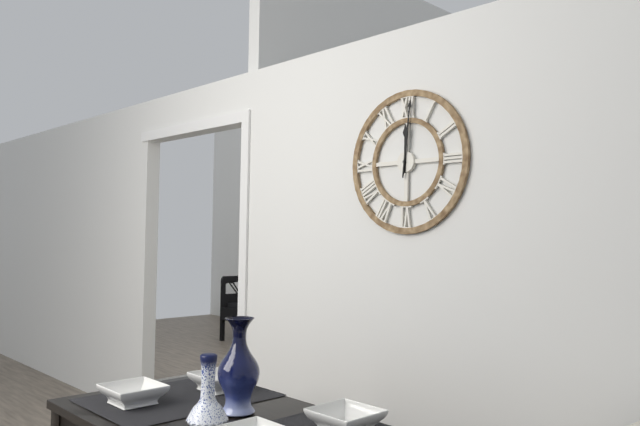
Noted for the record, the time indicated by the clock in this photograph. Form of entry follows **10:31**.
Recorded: **12:01**
